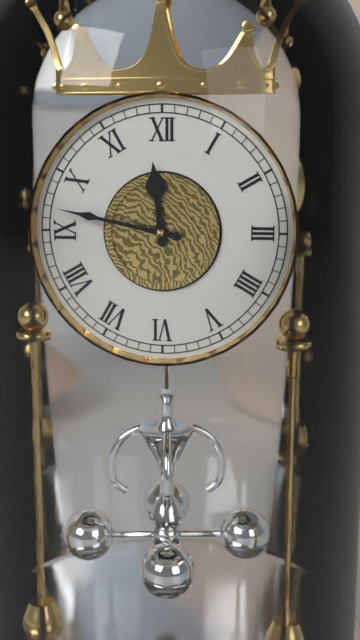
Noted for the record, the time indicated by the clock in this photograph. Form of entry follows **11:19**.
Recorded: **11:47**
